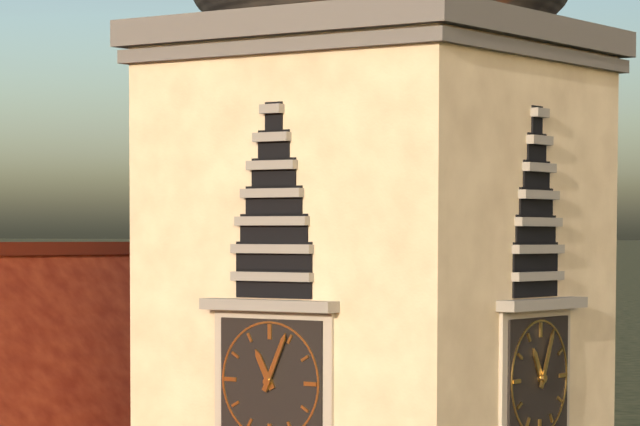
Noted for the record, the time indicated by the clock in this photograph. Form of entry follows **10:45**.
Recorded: **11:04**
